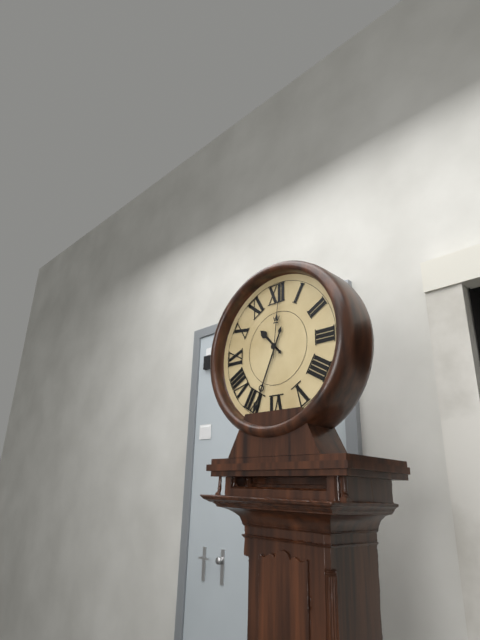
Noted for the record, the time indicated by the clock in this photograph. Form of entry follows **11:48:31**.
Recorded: **10:34:01**
